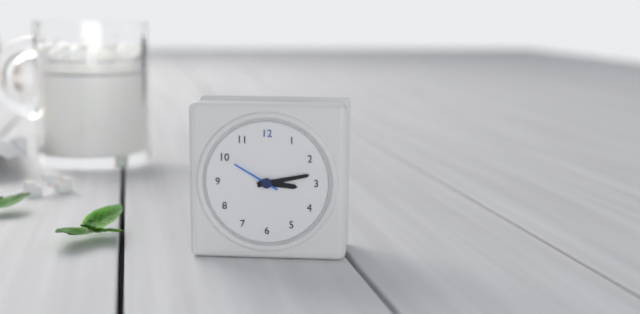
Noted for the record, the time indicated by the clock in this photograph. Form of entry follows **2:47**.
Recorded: **3:13**
